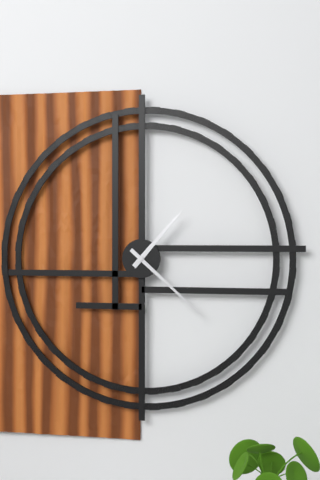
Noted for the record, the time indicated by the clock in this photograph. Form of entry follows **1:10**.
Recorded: **1:22**
